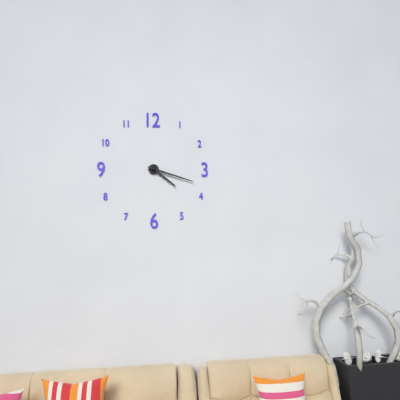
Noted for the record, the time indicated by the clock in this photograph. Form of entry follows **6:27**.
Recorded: **4:18**
